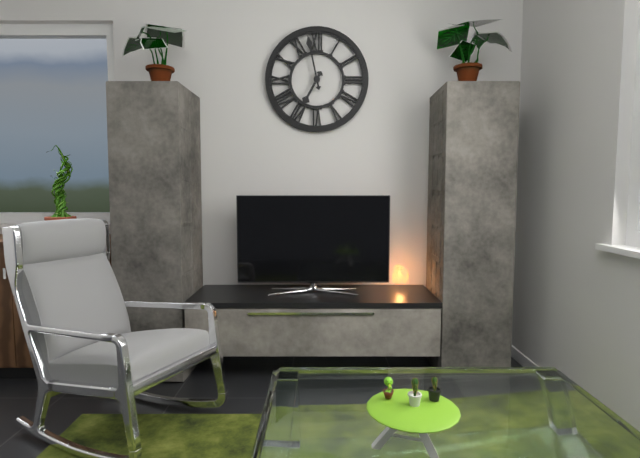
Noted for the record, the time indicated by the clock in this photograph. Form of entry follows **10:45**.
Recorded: **6:58**
